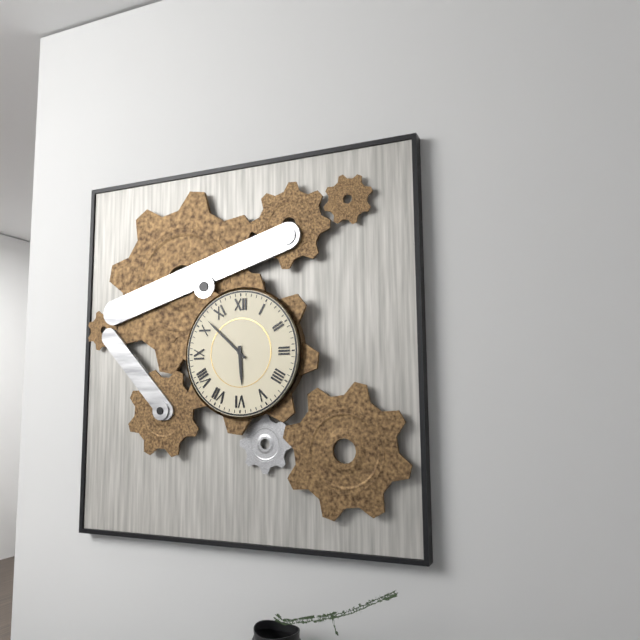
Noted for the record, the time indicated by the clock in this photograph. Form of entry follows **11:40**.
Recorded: **5:52**
